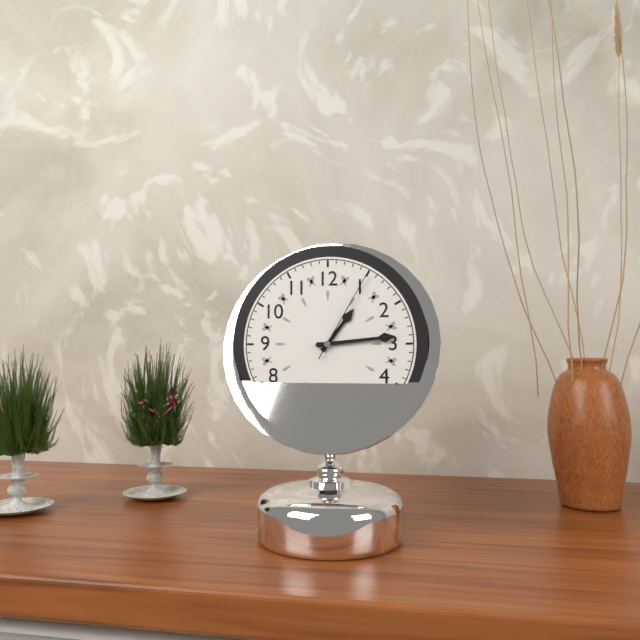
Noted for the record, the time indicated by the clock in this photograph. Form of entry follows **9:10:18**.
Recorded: **1:14:05**
